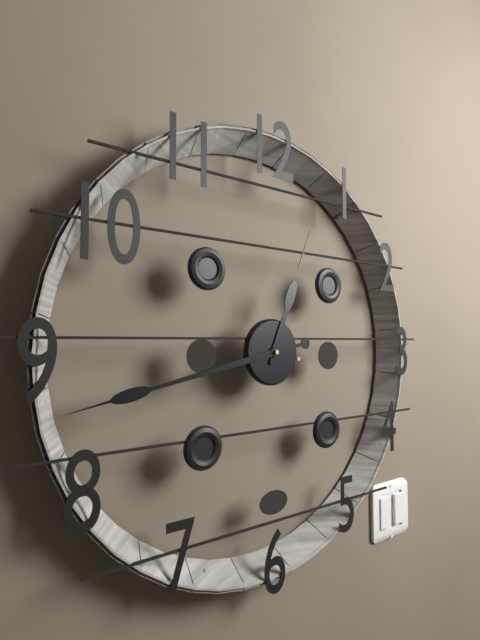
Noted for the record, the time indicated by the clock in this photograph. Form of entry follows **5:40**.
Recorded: **12:43**
